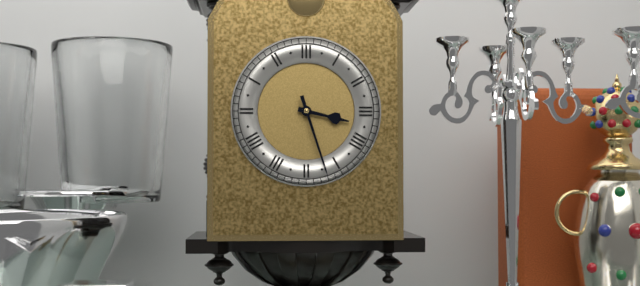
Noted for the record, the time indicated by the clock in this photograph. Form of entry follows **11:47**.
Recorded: **3:27**
